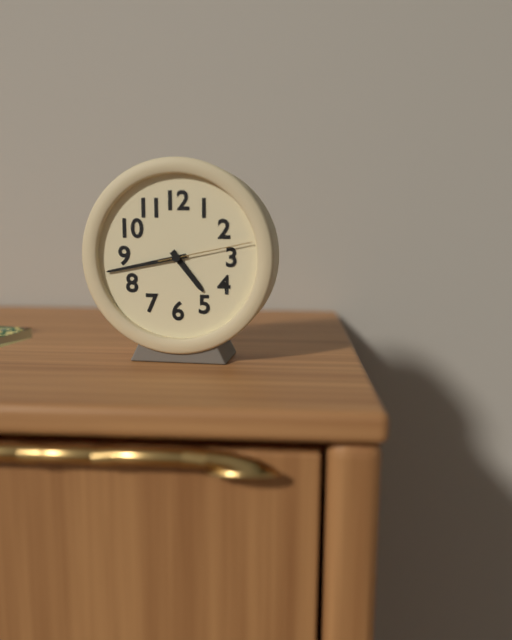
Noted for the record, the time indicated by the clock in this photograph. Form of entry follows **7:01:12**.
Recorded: **4:43:13**
